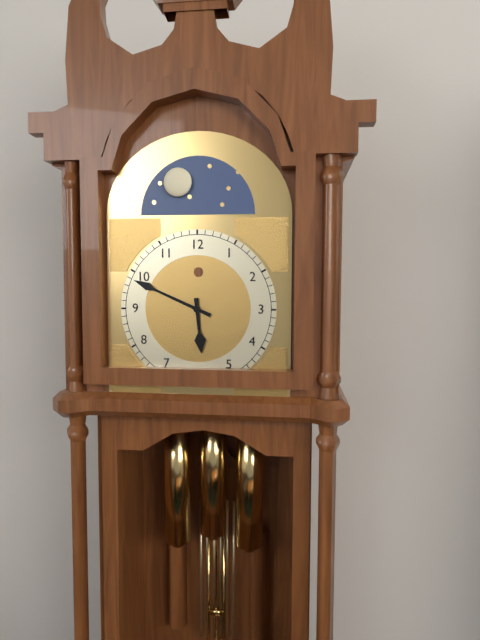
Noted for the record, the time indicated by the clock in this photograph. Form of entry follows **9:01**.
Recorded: **5:49**
